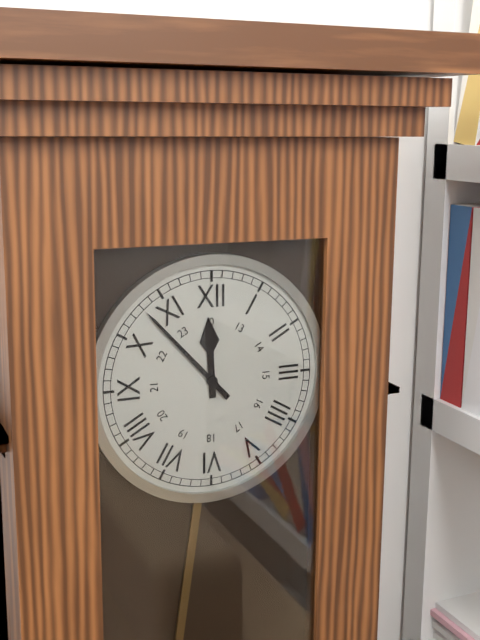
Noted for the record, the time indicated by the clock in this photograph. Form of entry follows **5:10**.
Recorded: **11:53**
